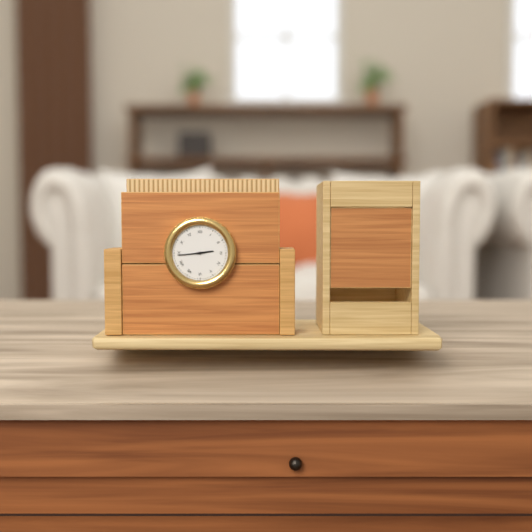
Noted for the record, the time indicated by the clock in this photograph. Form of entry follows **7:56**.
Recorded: **2:44**
